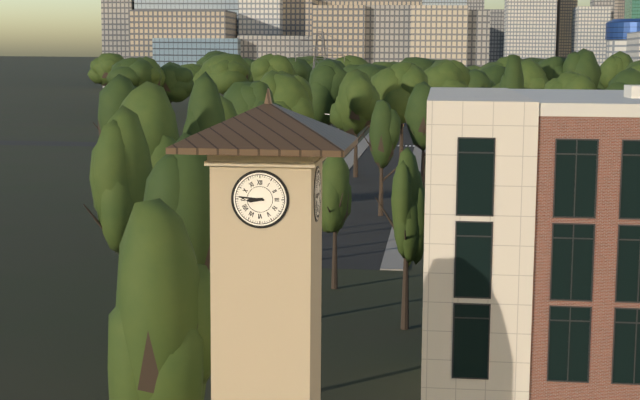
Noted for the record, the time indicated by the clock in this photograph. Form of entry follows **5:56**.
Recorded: **8:46**
